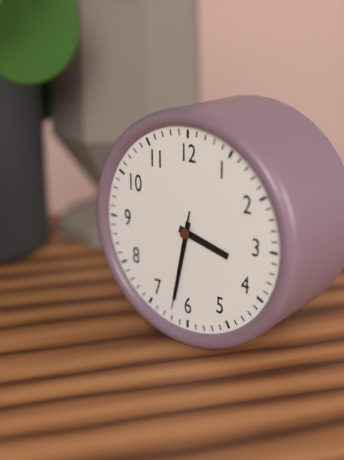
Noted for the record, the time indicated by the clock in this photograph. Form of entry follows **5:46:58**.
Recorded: **3:32:32**
